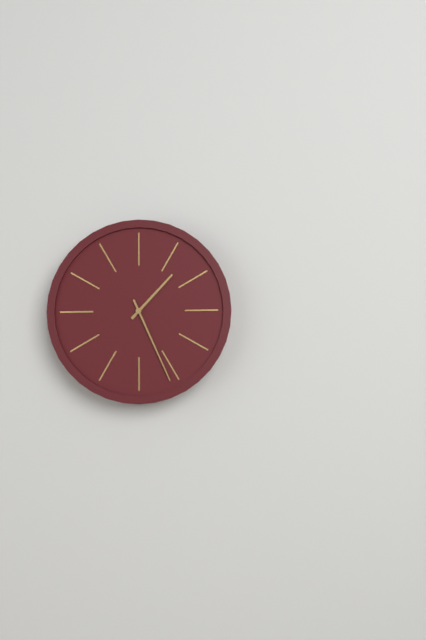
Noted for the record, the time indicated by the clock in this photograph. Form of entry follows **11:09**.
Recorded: **1:26**
